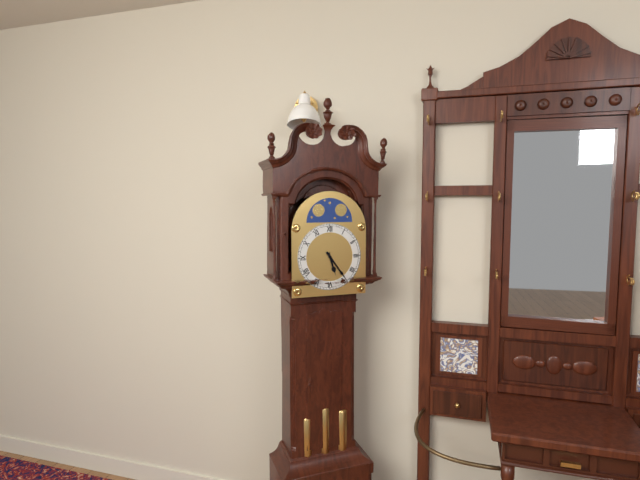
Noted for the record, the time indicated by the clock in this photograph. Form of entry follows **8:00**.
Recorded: **5:24**
